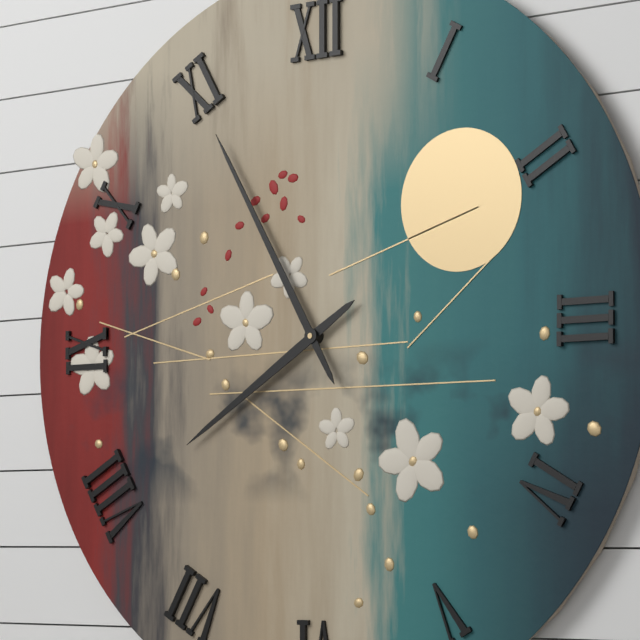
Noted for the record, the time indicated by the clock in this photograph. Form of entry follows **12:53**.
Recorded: **7:55**
